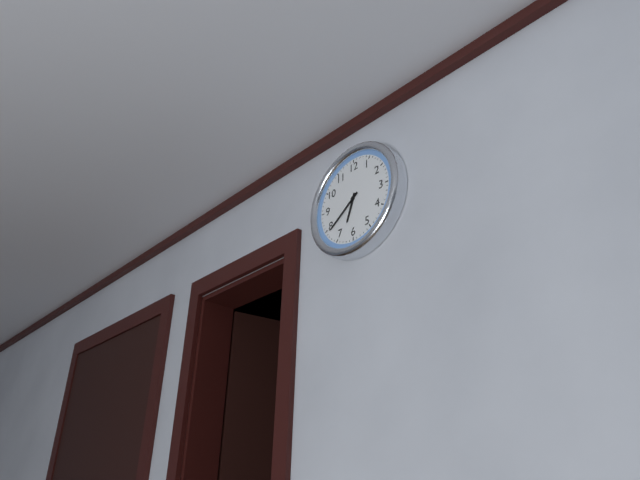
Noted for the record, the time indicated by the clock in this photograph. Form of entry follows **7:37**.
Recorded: **6:39**
